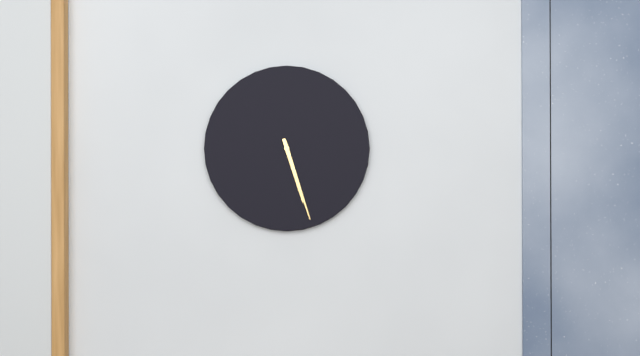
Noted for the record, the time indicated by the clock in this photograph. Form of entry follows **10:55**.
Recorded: **5:27**
